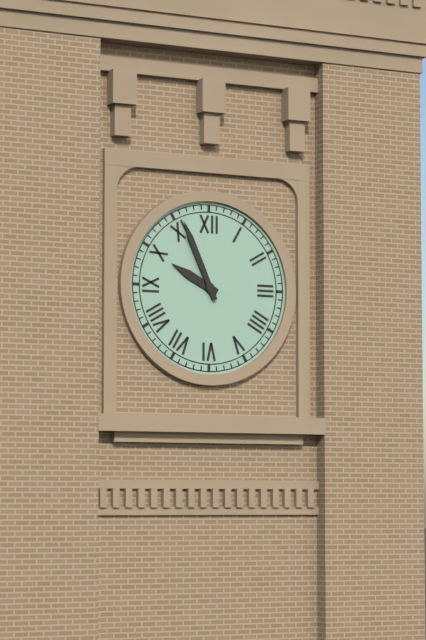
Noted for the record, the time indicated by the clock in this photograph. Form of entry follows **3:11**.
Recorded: **9:56**
